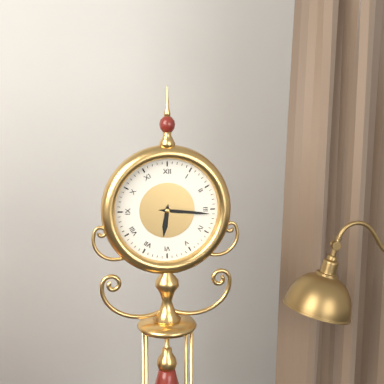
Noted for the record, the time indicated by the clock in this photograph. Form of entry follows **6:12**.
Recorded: **6:16**
